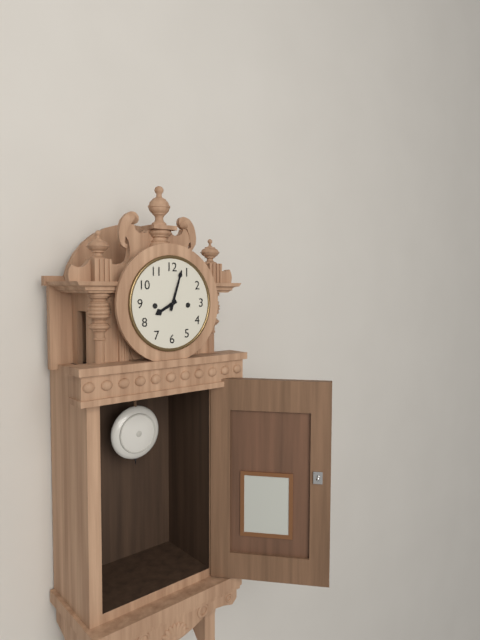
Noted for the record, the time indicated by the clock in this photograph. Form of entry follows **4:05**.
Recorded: **8:03**
